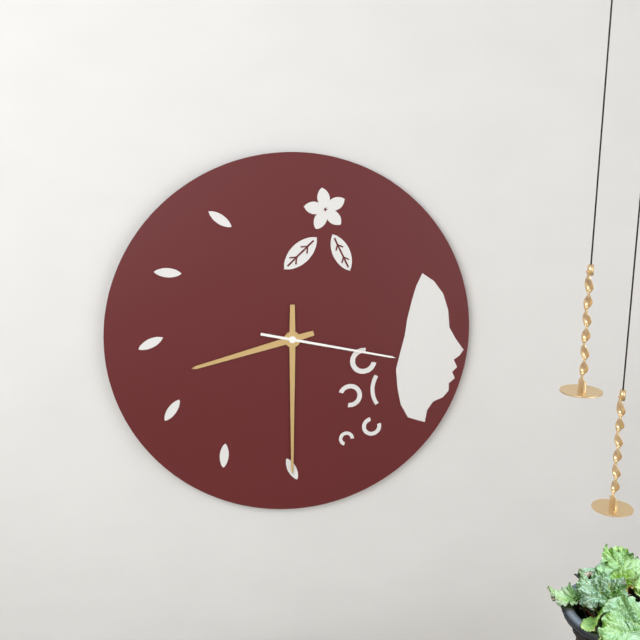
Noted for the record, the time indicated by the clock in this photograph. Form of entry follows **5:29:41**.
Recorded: **8:30:17**
